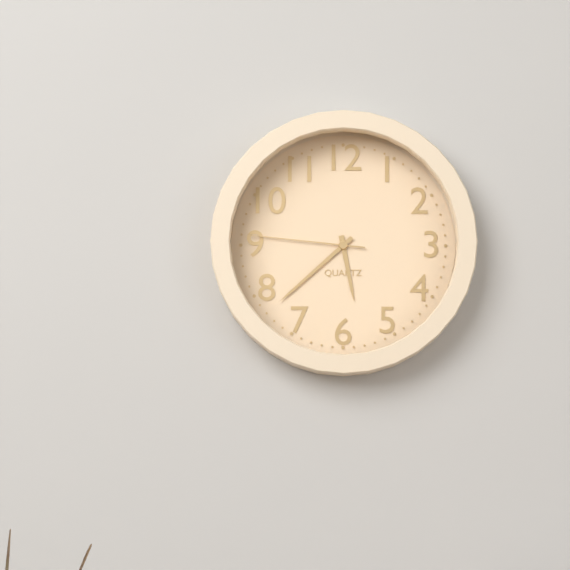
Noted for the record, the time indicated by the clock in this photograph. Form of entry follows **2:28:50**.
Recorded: **5:38:46**
